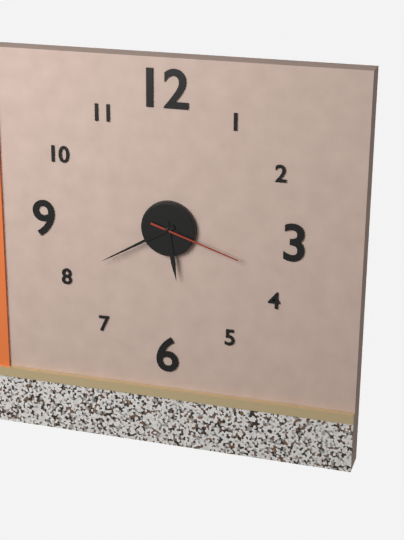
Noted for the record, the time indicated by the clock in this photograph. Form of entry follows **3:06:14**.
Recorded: **5:40:18**
